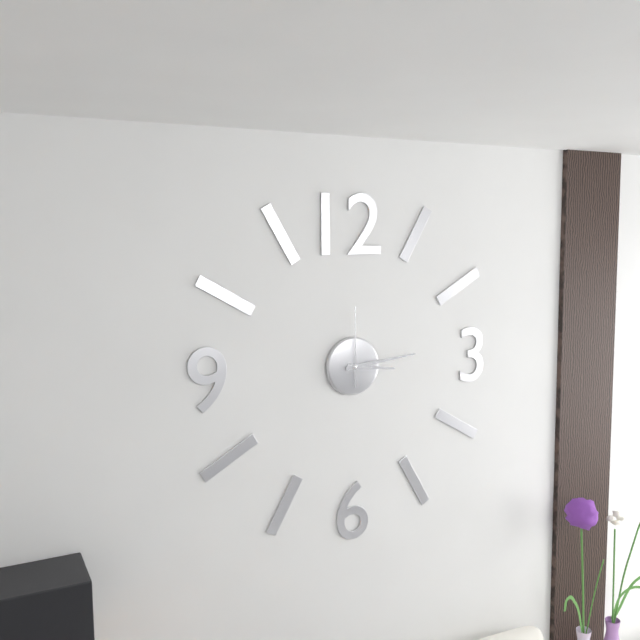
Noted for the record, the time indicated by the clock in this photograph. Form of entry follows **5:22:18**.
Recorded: **3:14:00**
